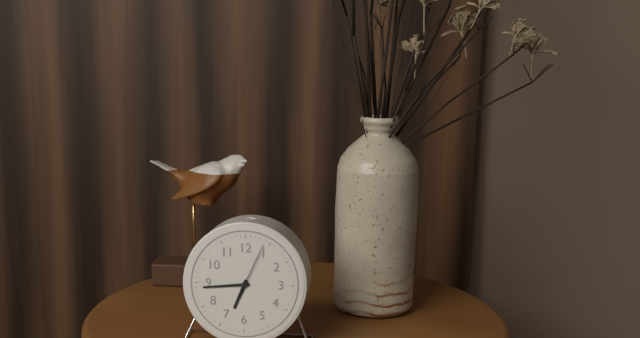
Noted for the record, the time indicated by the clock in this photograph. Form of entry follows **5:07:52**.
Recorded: **6:44:04**
